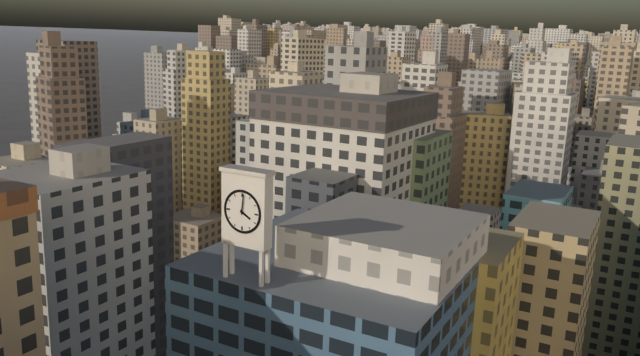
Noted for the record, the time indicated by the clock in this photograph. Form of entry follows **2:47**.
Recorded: **4:01**
